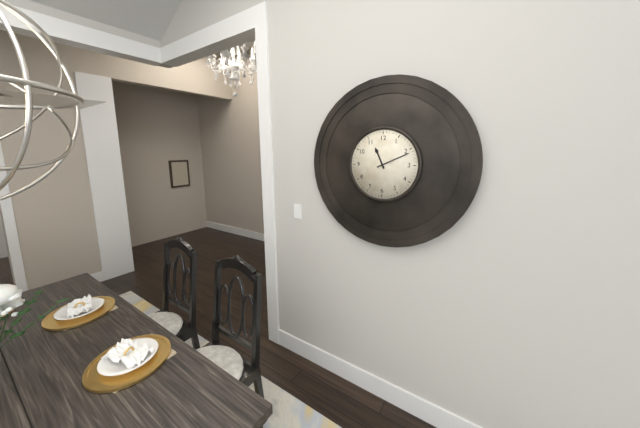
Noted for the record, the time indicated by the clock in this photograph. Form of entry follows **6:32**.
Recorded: **11:11**
